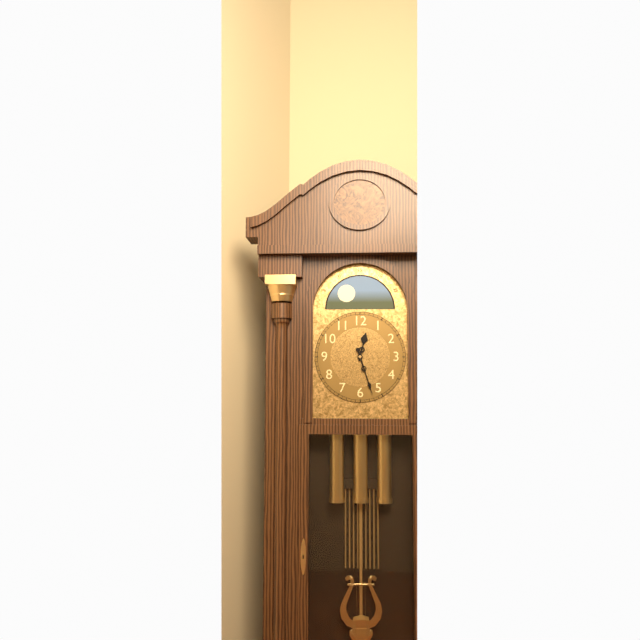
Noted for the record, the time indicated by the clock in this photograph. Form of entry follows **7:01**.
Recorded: **12:27**
